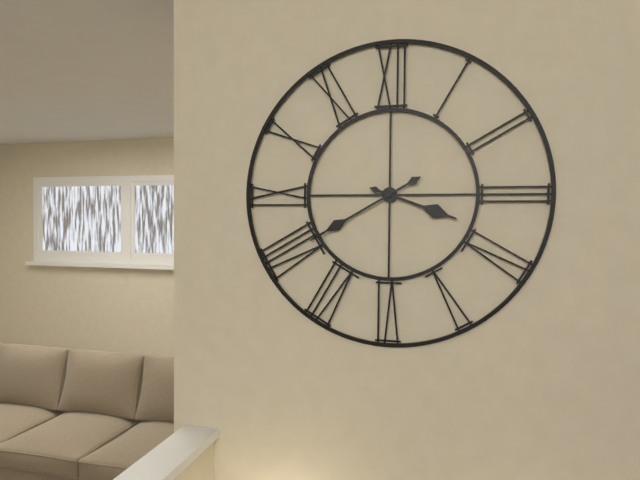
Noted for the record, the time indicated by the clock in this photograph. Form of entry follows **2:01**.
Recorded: **3:40**
